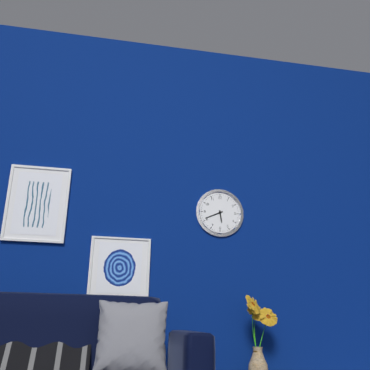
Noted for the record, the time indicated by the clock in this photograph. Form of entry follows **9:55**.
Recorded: **5:41**
